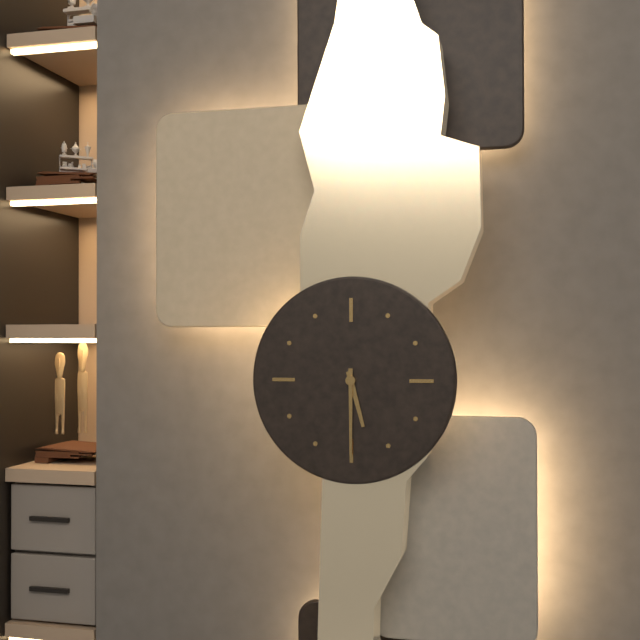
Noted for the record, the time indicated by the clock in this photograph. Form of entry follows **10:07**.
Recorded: **5:30**
